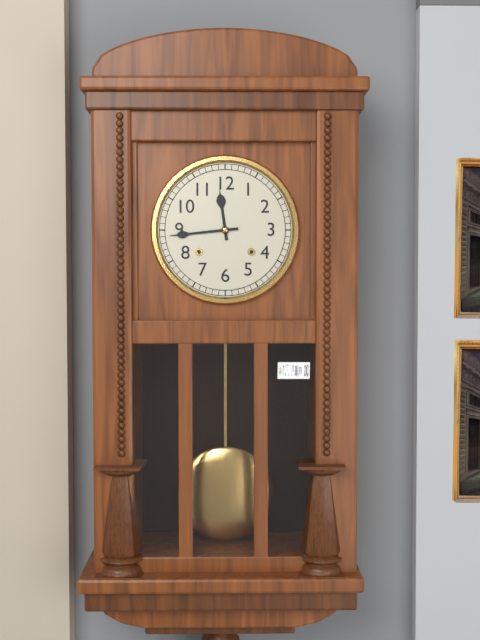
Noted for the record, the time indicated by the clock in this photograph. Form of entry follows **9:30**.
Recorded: **11:44**
